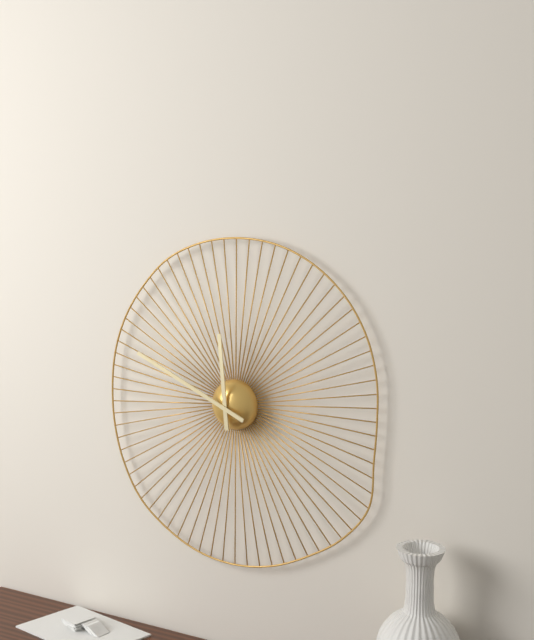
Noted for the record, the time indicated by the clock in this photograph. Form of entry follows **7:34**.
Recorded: **11:49**
